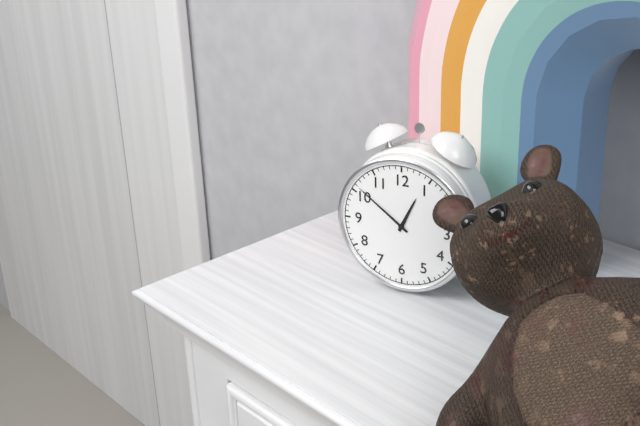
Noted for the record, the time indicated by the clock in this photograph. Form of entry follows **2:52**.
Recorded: **12:51**
